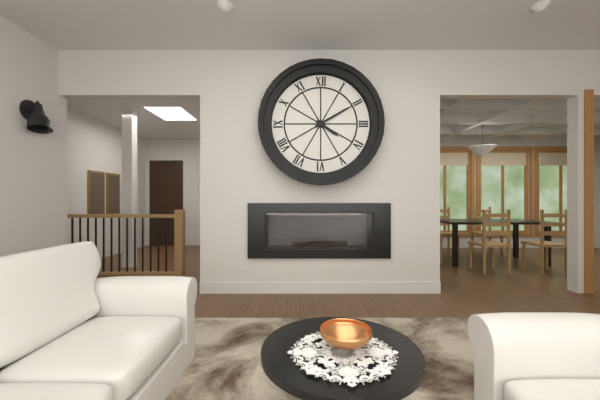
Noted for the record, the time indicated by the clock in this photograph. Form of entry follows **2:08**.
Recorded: **4:10**
